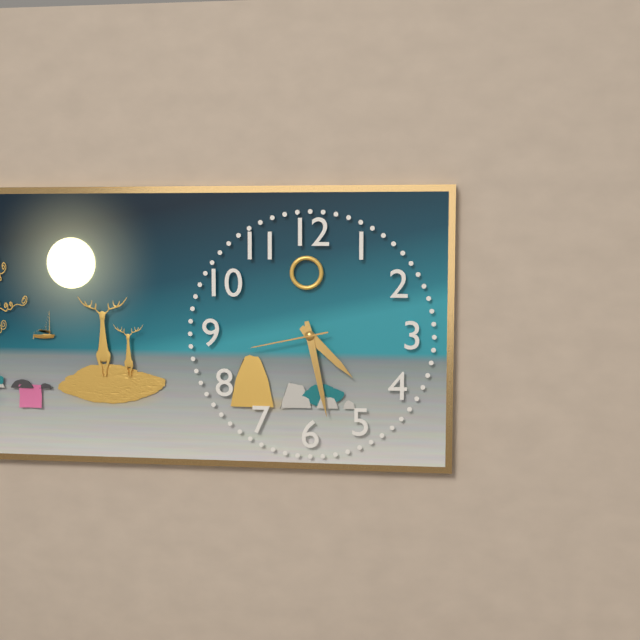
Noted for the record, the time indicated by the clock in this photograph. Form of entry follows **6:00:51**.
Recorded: **4:28:43**
